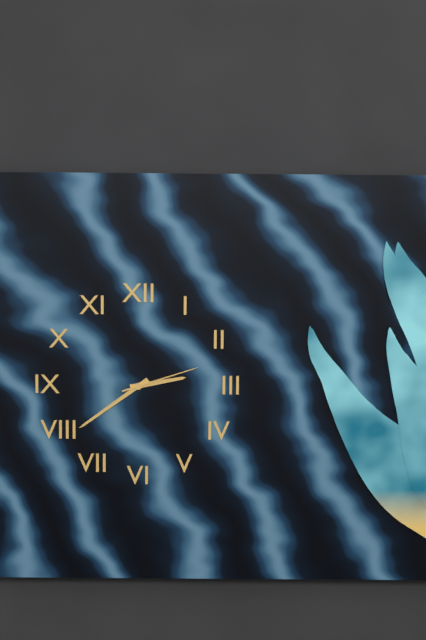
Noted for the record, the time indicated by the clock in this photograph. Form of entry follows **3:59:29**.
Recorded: **2:39:12**
